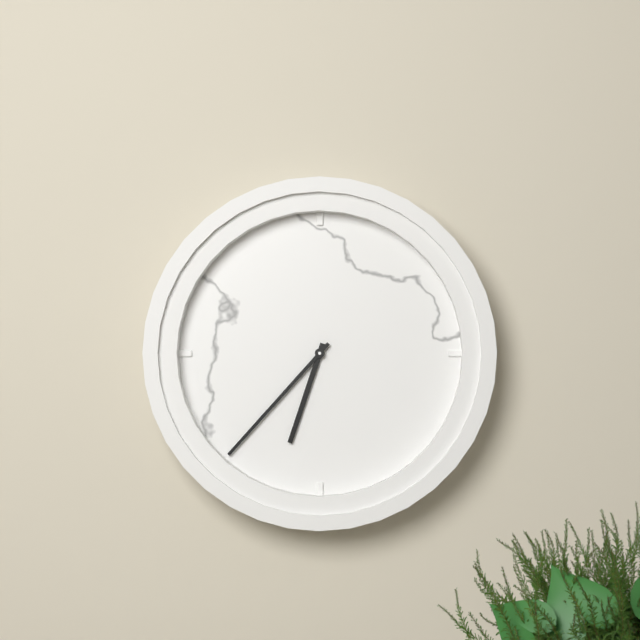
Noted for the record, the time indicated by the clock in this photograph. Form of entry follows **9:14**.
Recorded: **6:37**
